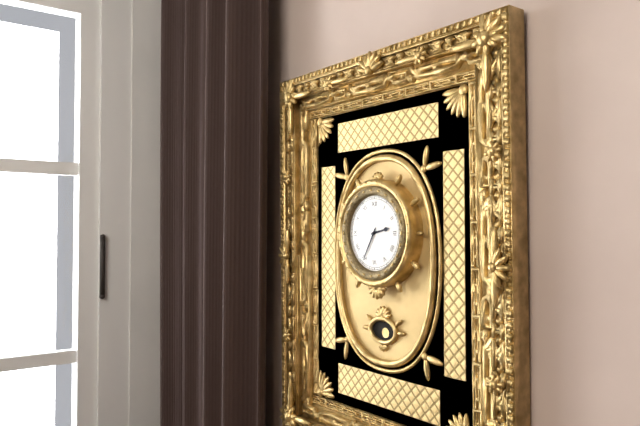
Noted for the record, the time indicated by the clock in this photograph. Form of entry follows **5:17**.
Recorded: **2:35**
